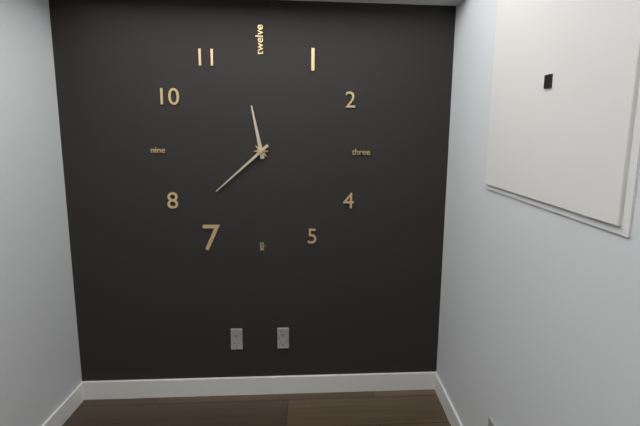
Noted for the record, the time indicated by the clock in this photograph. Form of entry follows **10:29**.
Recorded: **11:38**
